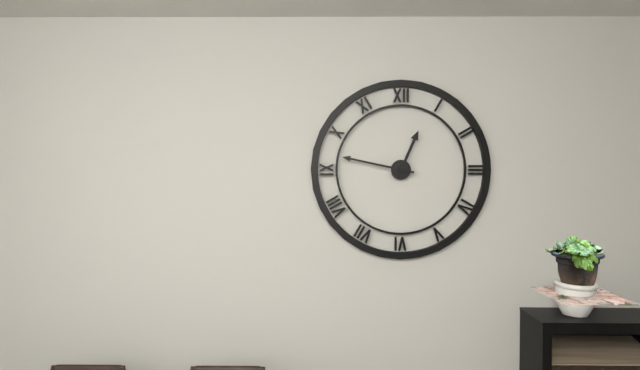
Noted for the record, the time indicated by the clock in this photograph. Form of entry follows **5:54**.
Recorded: **12:47**
